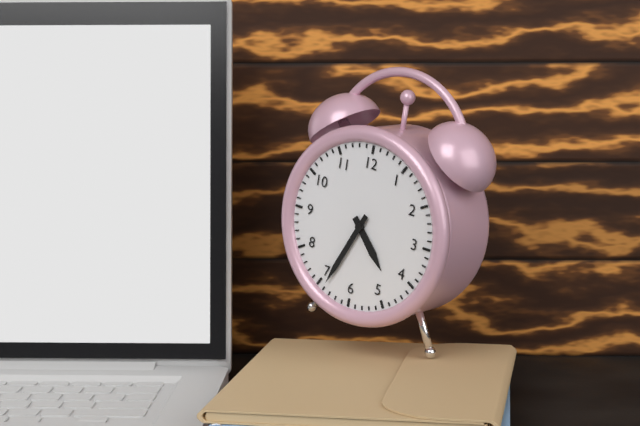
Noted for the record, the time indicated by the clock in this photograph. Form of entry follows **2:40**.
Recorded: **4:34**
